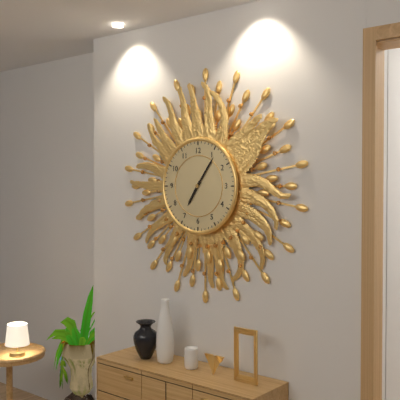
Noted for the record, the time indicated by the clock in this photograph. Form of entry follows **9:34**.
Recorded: **7:06**
